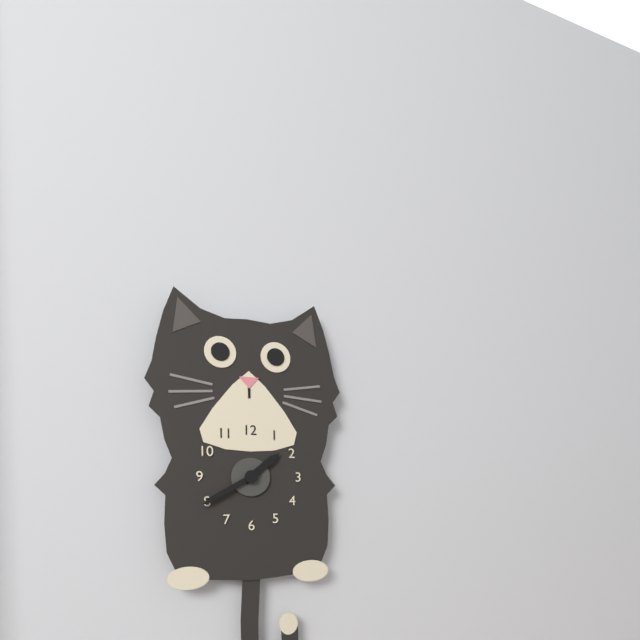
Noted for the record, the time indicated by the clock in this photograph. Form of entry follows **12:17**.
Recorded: **1:40**
